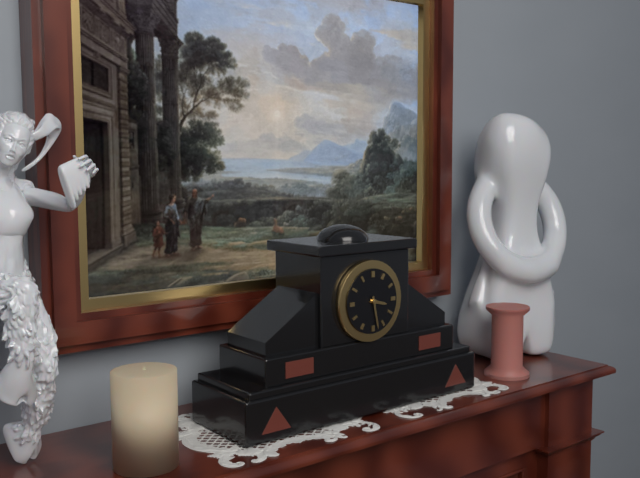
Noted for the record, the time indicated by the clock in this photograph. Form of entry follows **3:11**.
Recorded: **3:28**
